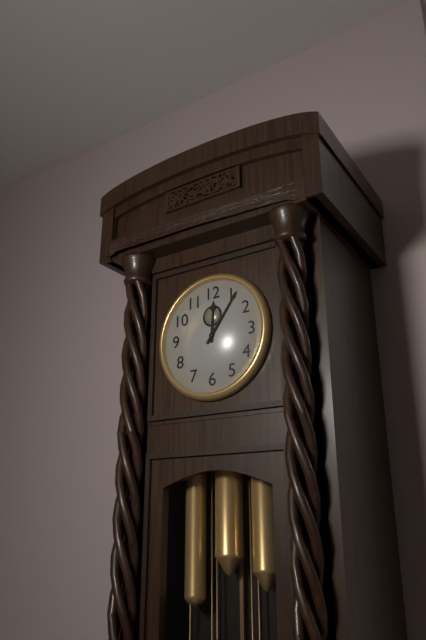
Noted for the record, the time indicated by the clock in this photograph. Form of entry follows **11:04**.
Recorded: **12:06**
